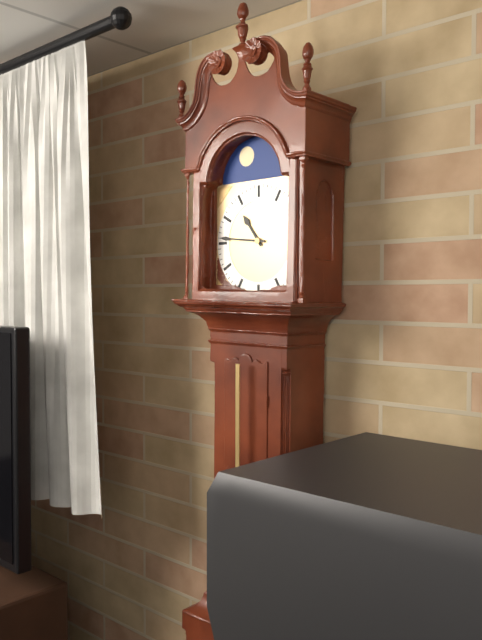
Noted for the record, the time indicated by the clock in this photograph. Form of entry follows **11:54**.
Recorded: **10:46**
